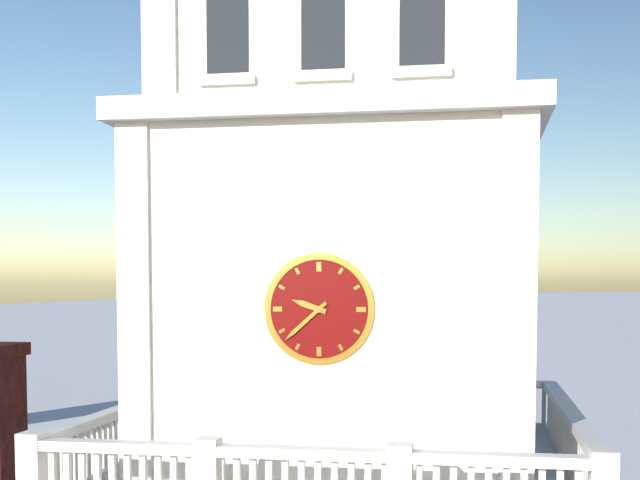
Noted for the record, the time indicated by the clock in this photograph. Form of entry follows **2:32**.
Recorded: **9:38**
